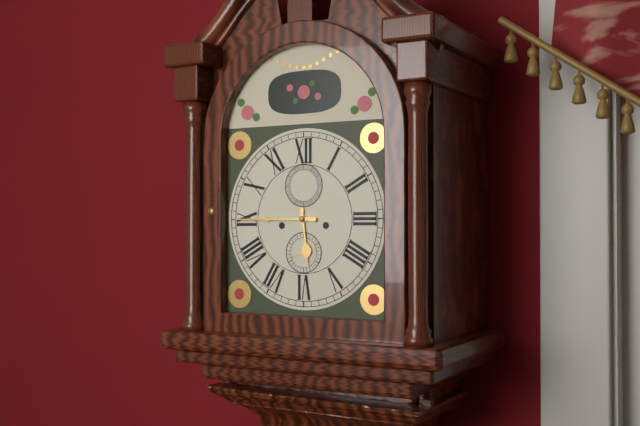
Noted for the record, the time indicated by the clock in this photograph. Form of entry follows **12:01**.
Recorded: **5:45**
